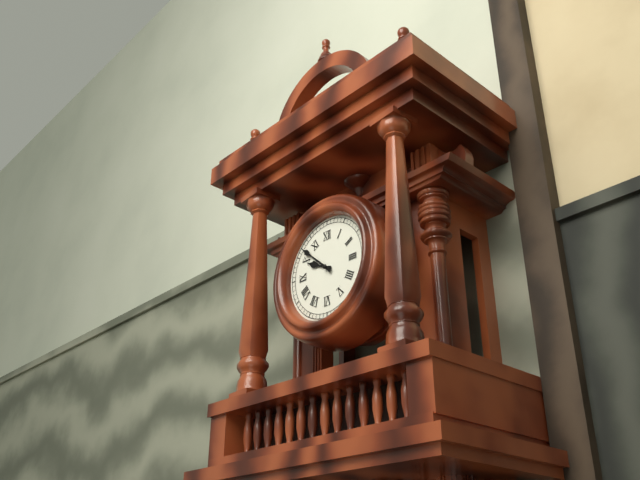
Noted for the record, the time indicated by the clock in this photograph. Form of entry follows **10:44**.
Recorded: **9:52**
